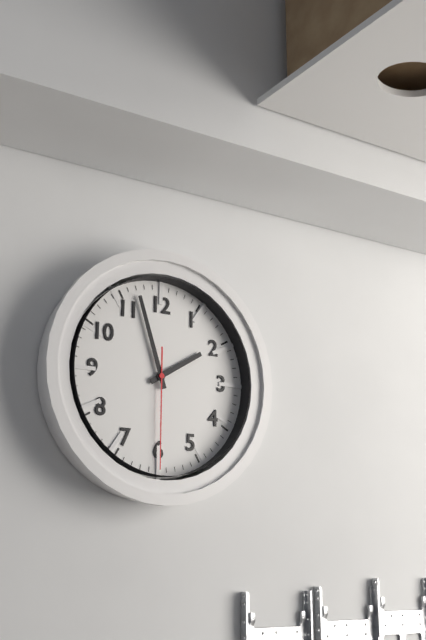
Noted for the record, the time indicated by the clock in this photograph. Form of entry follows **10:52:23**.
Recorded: **1:57:30**
